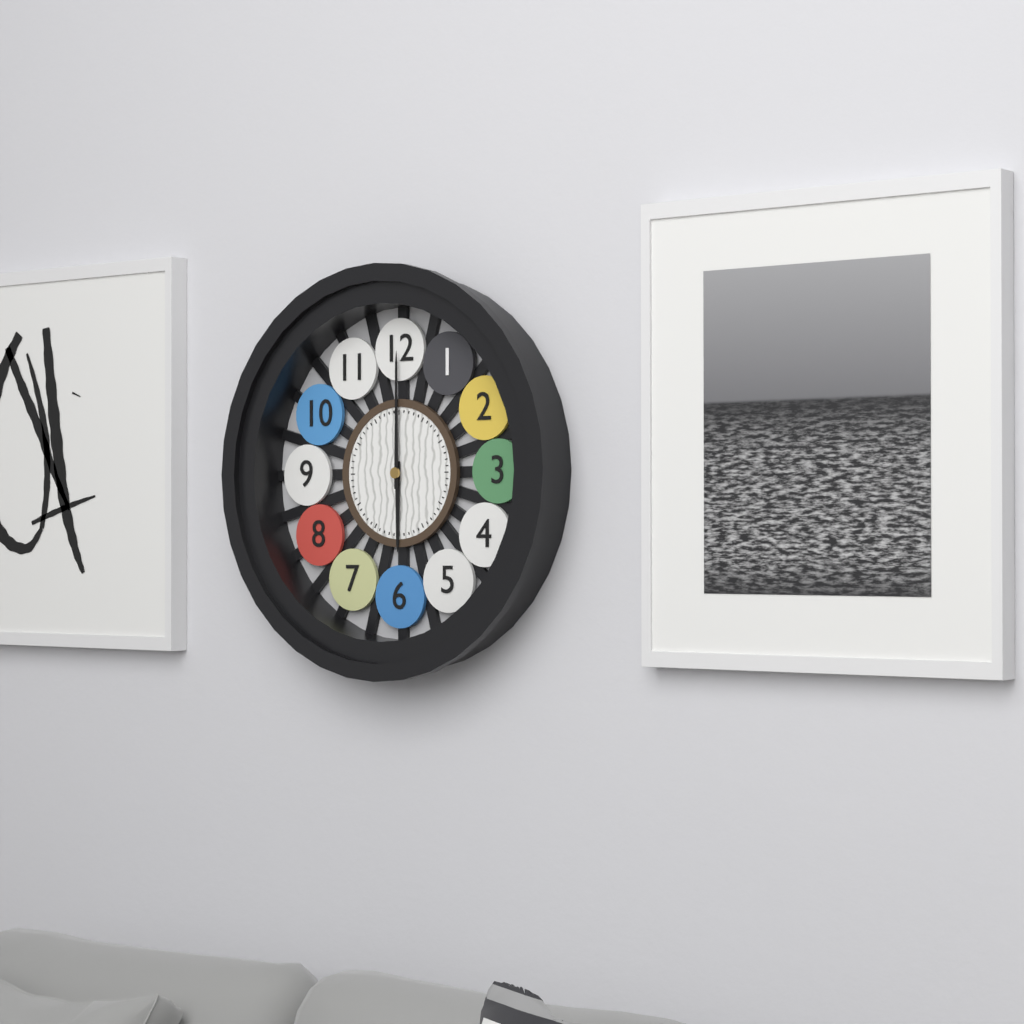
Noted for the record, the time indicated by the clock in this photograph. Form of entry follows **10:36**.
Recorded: **6:00**
